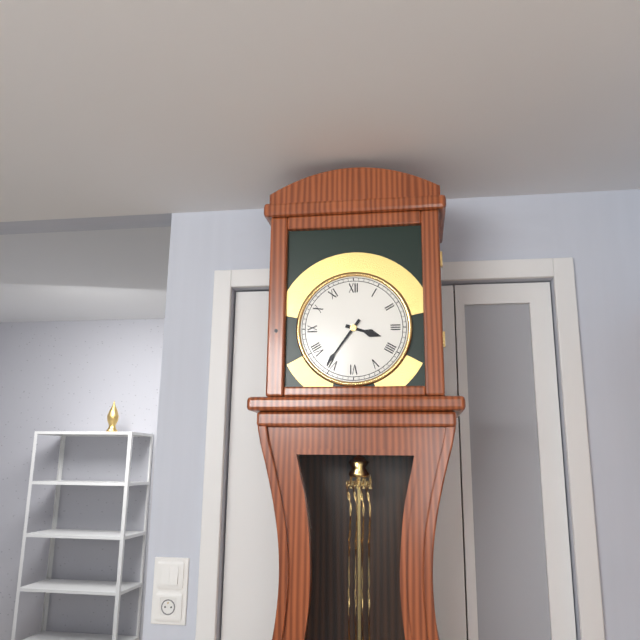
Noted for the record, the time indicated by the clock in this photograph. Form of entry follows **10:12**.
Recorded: **3:36**
